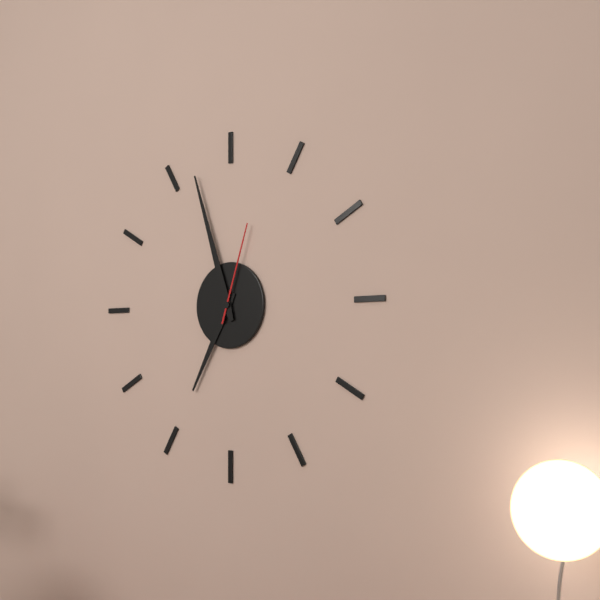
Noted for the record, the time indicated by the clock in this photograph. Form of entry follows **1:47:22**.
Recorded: **6:57:03**
